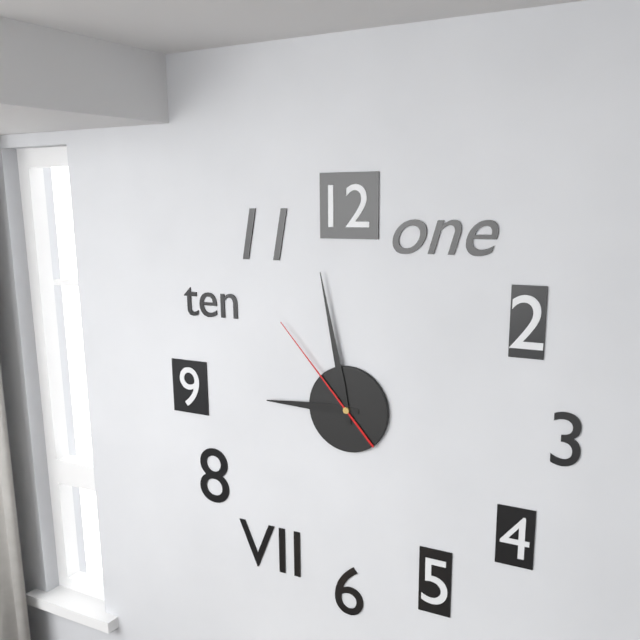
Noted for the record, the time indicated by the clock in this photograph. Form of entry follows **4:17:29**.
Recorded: **8:58:53**
